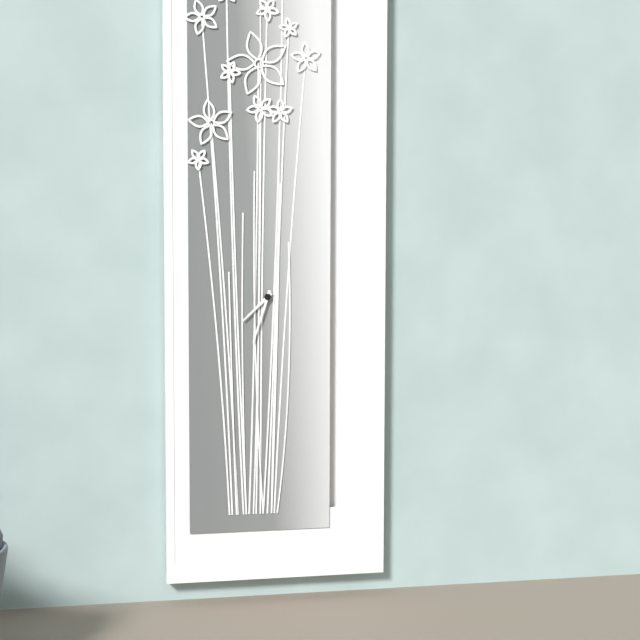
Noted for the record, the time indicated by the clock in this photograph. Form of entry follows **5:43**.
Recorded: **7:33**
